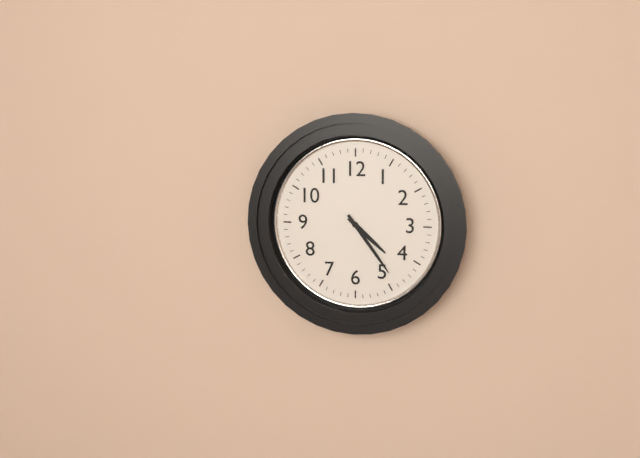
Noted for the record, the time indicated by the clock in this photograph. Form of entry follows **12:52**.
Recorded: **4:24**
